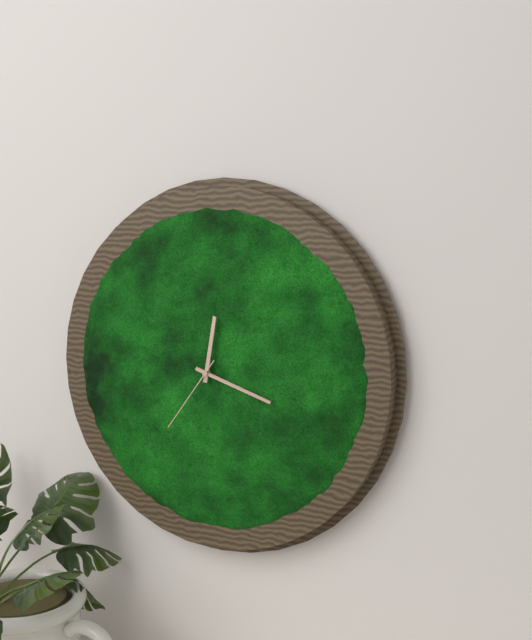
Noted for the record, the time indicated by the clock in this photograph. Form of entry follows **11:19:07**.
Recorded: **12:18:36**
